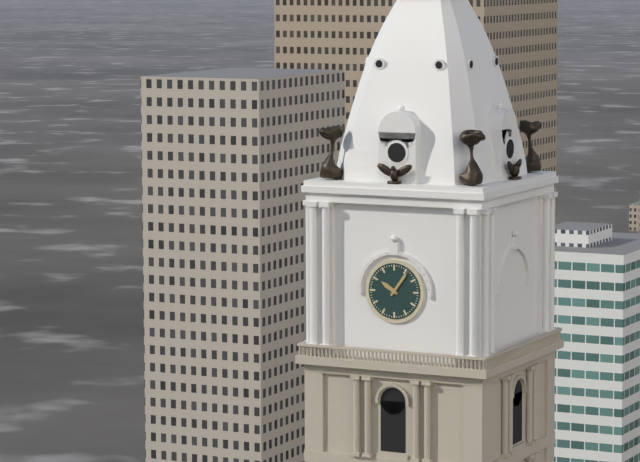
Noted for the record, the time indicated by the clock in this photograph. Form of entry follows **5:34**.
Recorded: **10:06**
